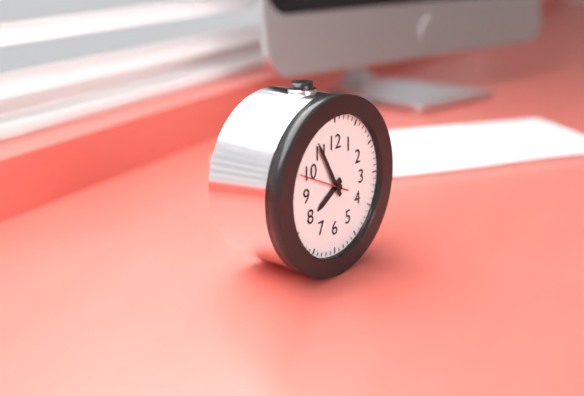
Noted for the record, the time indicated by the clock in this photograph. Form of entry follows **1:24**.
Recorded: **7:55**
